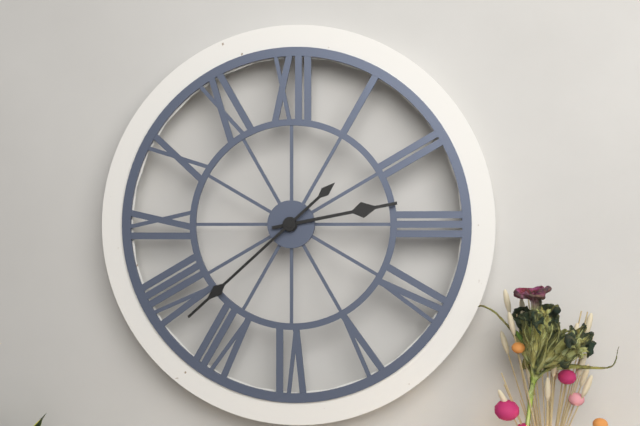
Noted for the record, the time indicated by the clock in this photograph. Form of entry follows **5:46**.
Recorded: **2:38**
